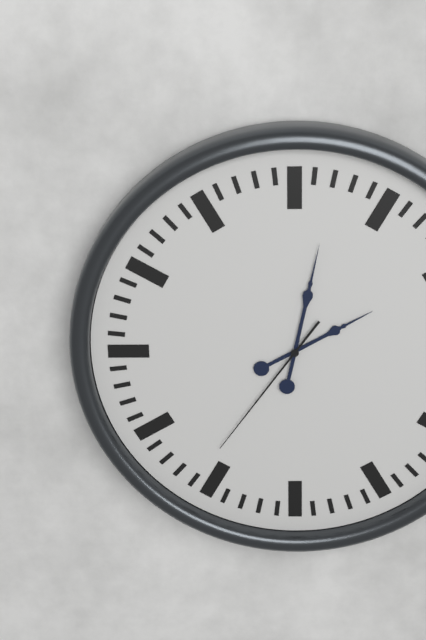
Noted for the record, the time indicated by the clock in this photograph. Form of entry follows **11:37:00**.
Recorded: **2:02:36**
